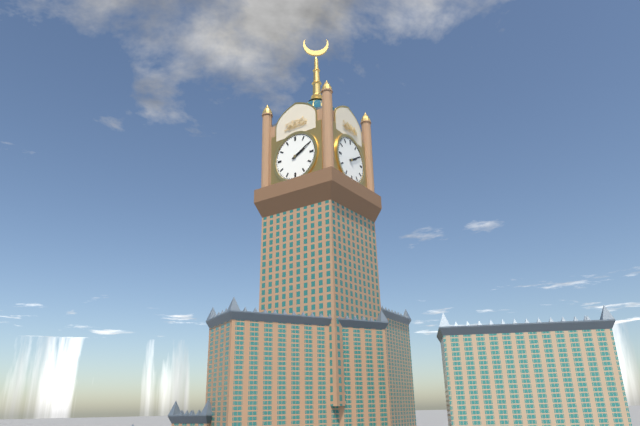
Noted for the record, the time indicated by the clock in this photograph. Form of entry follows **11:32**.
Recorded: **2:10**
